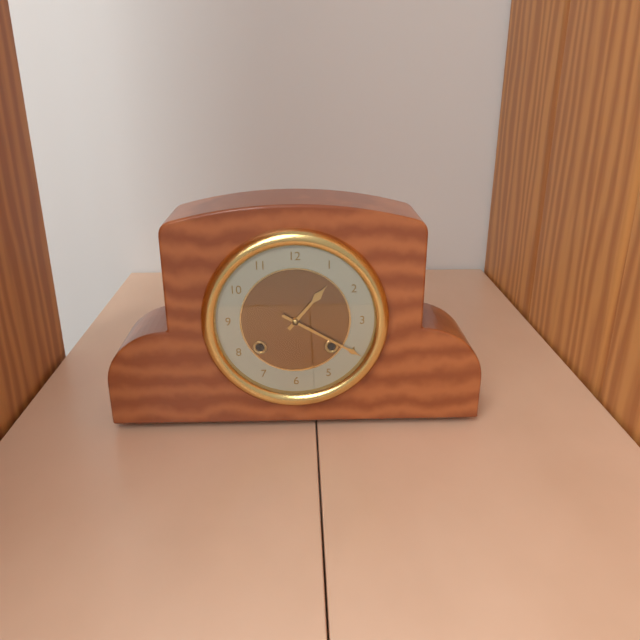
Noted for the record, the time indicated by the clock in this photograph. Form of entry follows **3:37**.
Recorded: **1:20**
